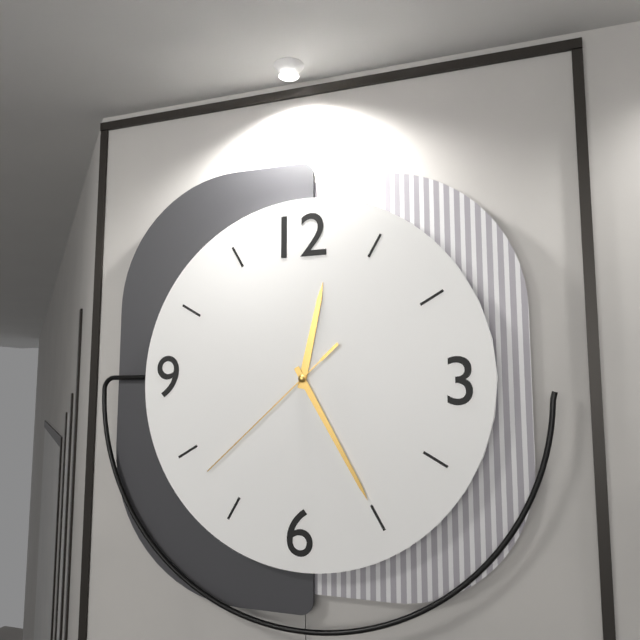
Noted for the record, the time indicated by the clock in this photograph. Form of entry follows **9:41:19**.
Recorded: **12:25:38**
